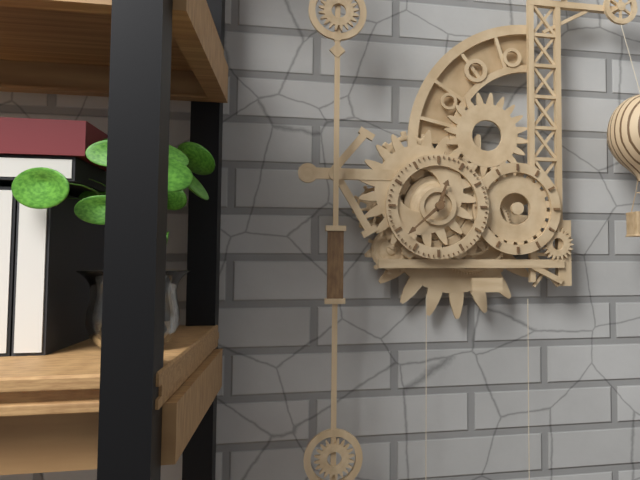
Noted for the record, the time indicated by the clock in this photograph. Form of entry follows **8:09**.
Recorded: **12:38**
